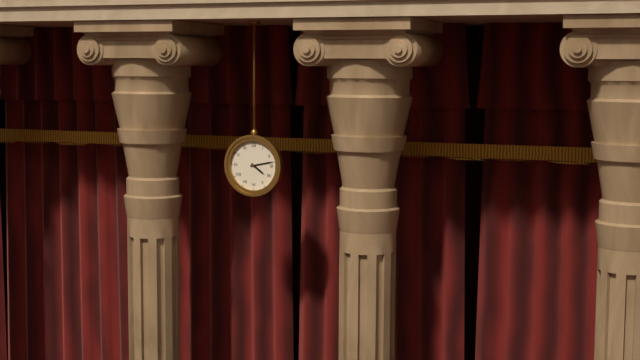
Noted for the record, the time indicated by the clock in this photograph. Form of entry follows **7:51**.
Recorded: **4:13**
